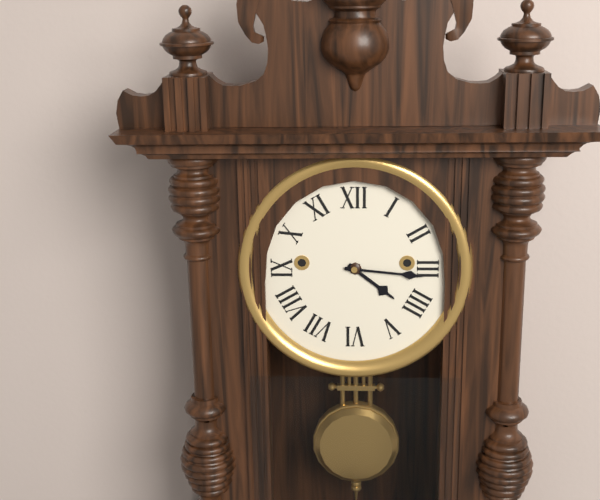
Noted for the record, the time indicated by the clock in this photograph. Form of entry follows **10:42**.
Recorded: **4:16**
